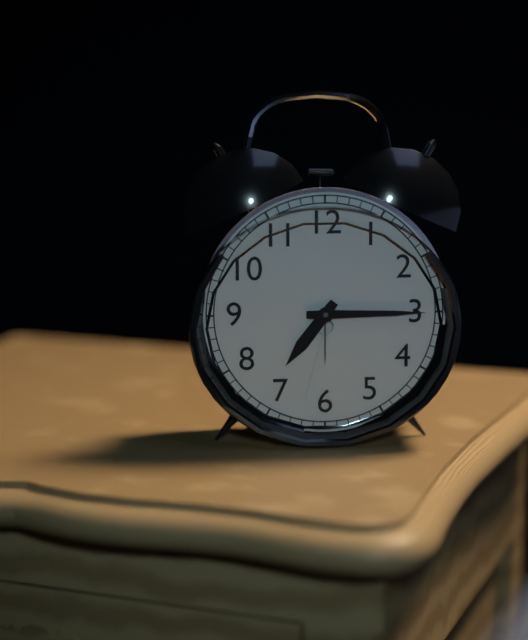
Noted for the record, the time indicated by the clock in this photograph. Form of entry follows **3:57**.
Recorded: **7:15**
